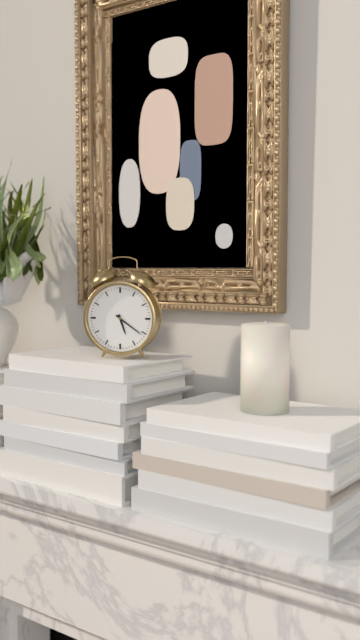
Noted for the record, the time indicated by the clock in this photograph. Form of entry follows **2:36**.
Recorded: **5:21**
